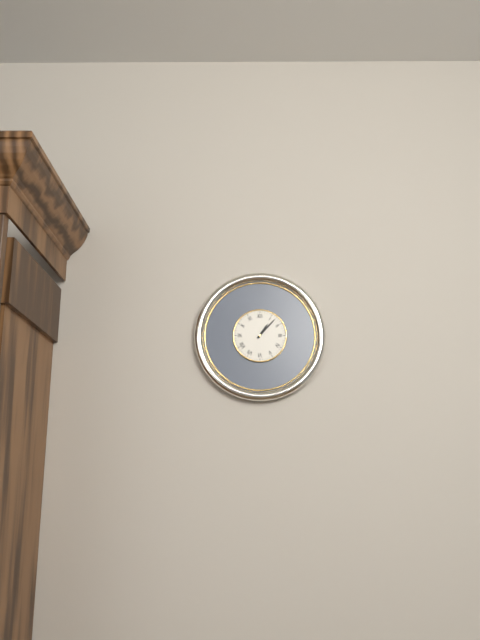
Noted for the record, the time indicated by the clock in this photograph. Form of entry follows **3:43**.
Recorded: **1:07**
